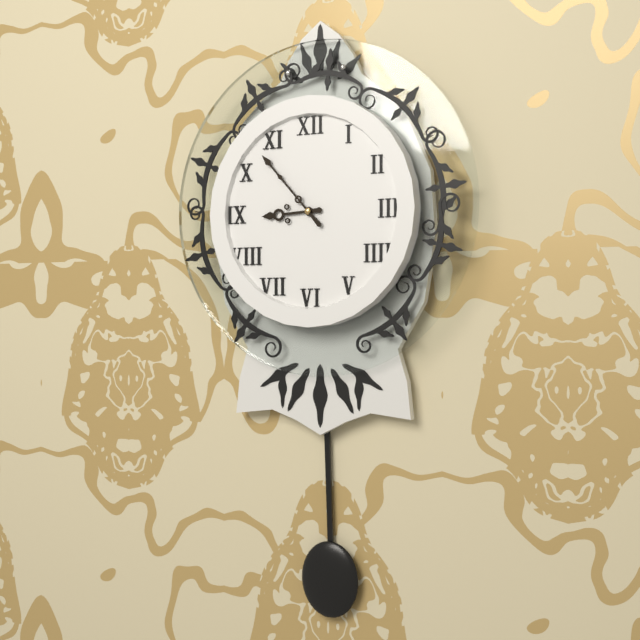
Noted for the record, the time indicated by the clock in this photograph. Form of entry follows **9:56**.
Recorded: **8:53**
